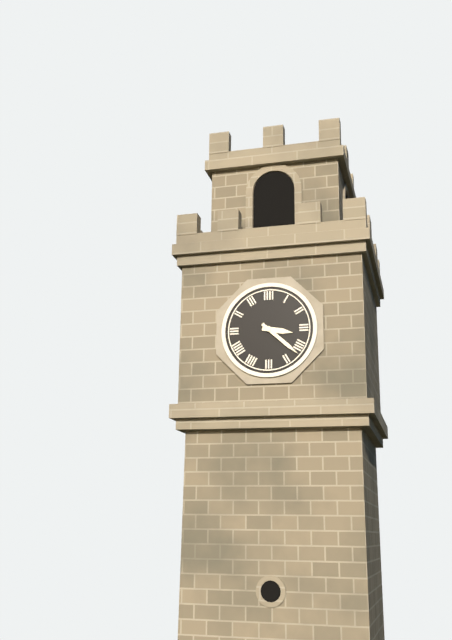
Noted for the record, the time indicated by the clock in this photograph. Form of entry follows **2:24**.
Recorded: **3:22**
